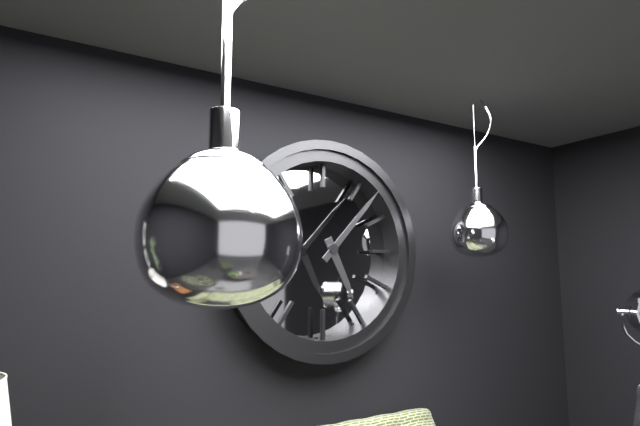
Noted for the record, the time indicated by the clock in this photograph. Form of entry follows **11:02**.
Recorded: **5:07**
